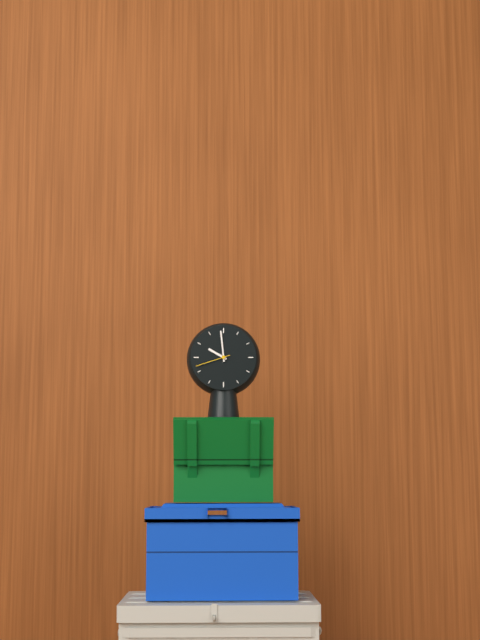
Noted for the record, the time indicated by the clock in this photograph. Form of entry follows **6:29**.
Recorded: **9:59**
